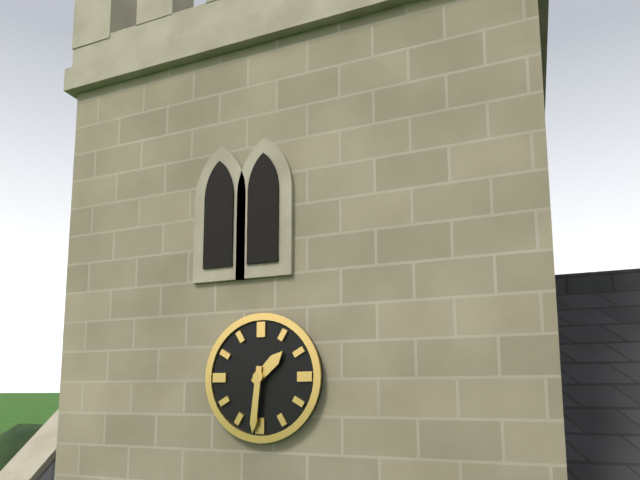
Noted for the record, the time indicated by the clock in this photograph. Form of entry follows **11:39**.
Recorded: **1:31**
